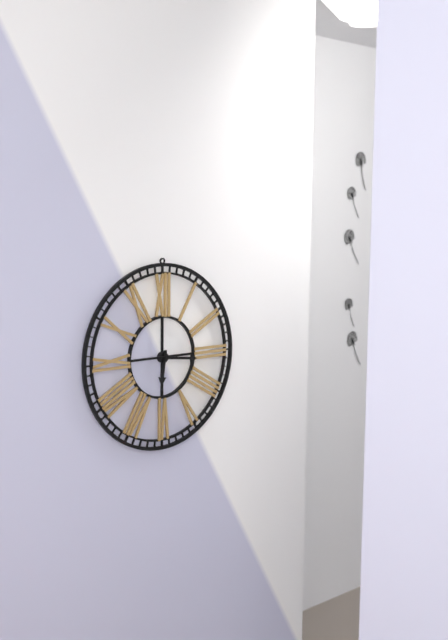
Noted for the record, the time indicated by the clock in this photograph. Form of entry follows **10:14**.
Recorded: **6:16**
